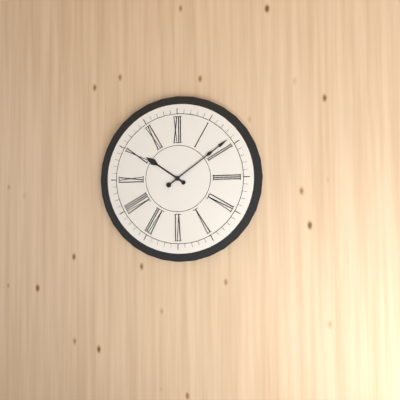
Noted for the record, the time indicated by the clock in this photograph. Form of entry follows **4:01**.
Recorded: **10:09**
